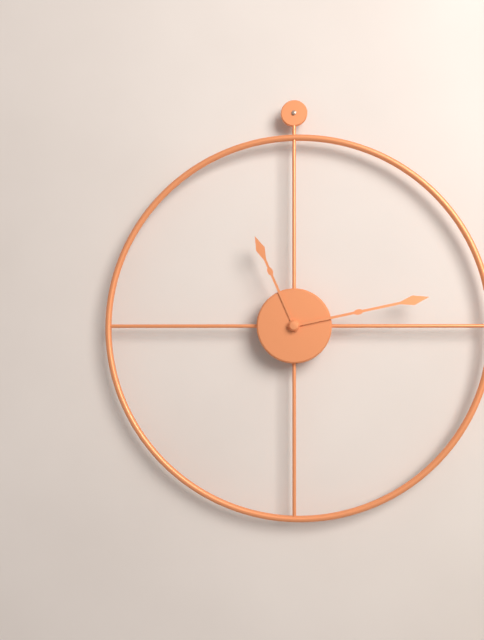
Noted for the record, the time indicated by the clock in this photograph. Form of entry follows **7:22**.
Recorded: **11:13**
